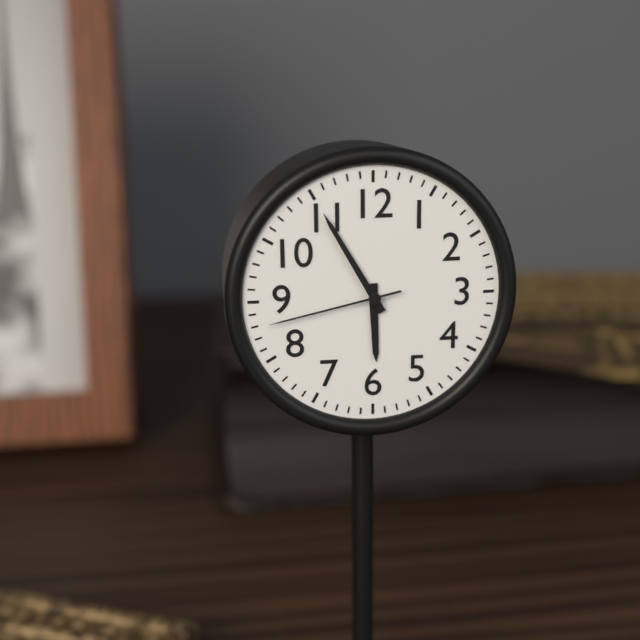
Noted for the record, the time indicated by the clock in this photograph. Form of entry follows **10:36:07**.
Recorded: **5:55:43**
